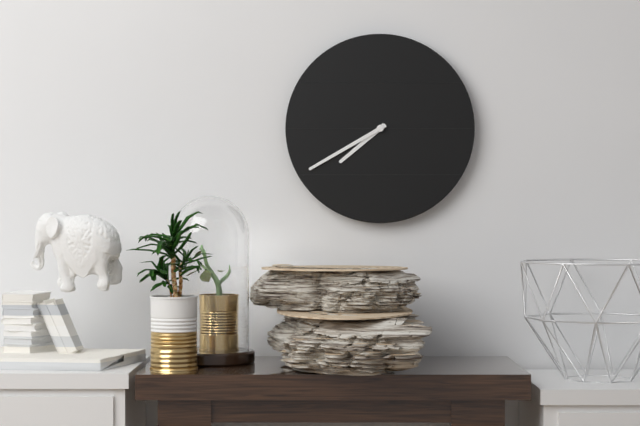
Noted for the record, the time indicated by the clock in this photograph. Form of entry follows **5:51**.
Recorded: **7:40**
